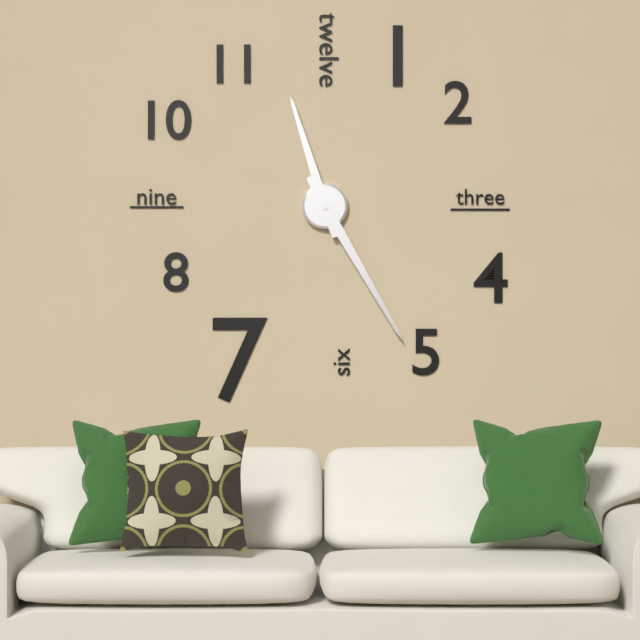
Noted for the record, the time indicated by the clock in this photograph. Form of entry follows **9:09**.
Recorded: **11:25**
